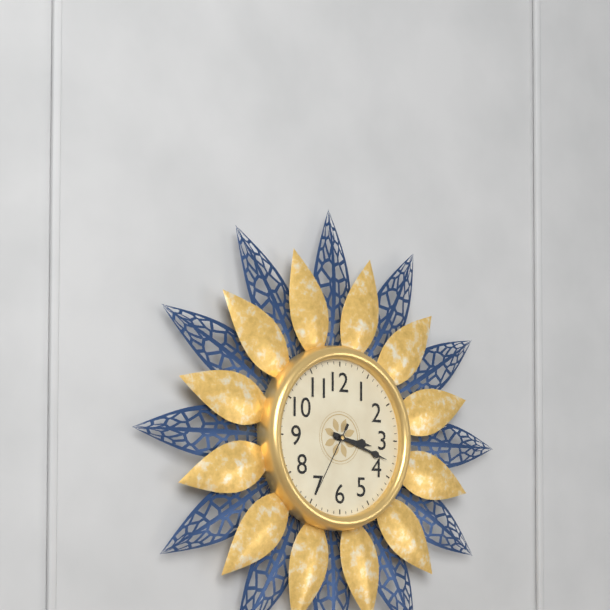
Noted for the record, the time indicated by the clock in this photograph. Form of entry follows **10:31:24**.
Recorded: **3:18:35**
